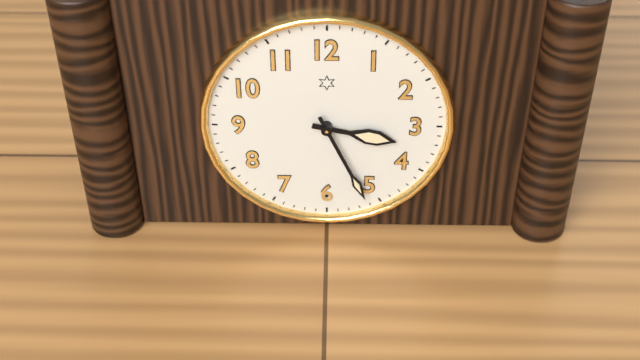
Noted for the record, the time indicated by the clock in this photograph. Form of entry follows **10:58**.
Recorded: **3:26**
